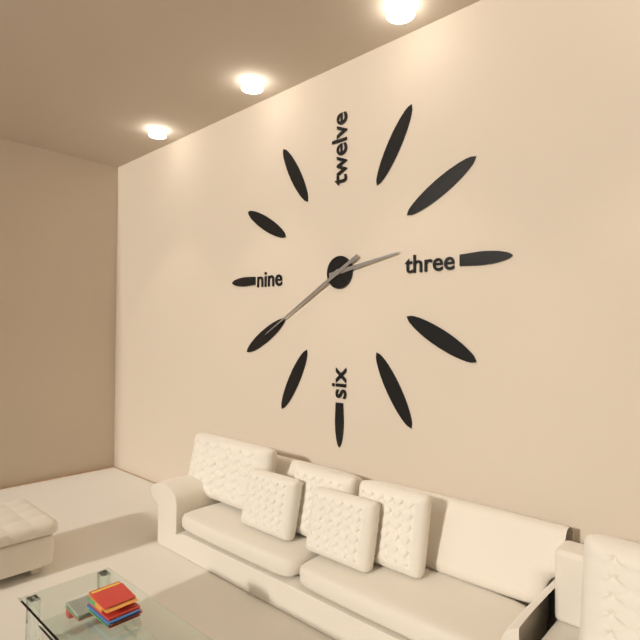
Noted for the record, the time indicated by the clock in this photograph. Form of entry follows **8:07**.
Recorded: **2:40**
